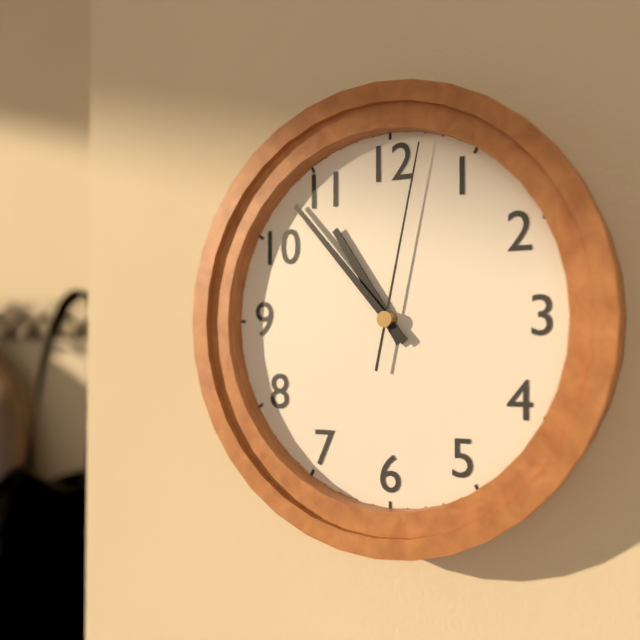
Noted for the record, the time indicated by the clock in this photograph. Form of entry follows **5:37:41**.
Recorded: **10:53:02**
